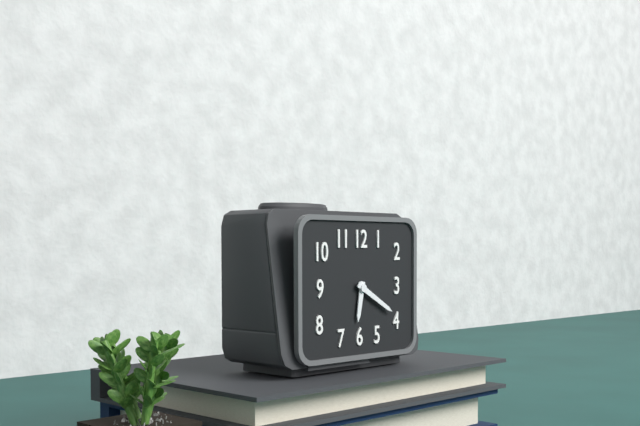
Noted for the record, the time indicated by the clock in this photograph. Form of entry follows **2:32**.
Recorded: **6:20**
